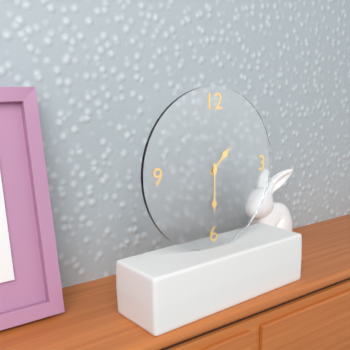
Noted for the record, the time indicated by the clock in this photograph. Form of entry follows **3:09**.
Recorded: **1:30**
